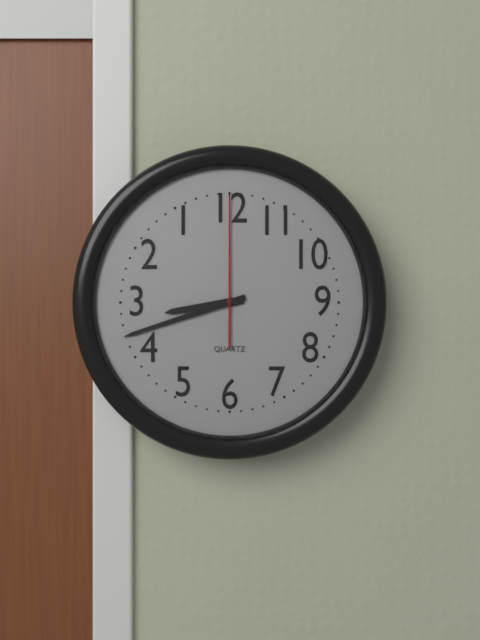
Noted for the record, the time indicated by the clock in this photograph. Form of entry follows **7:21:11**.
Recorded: **8:42:00**
